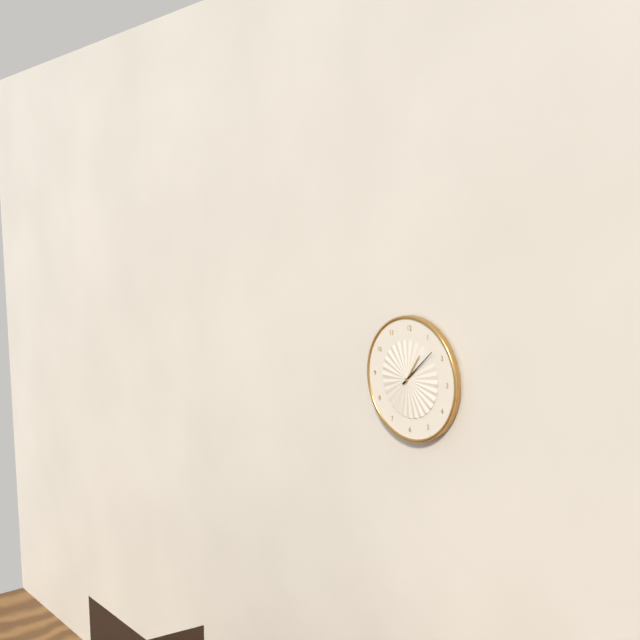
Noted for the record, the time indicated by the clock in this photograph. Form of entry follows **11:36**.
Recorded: **1:08**
